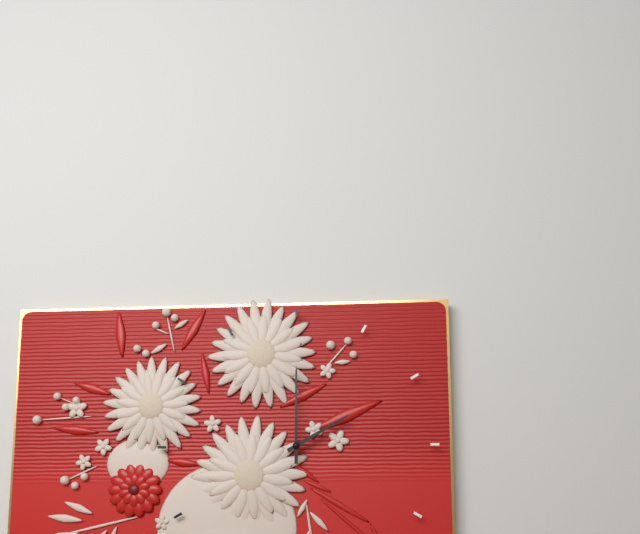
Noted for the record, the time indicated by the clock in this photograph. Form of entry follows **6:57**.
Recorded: **2:00**
